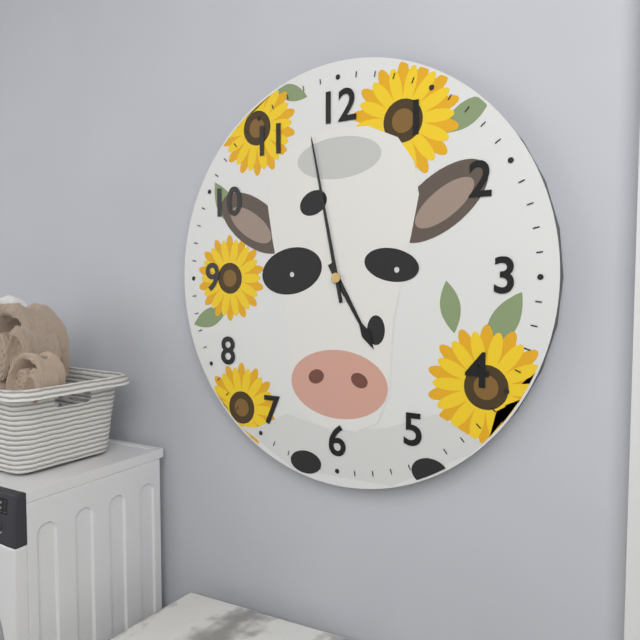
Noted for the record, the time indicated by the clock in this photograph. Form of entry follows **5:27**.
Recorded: **4:58**
